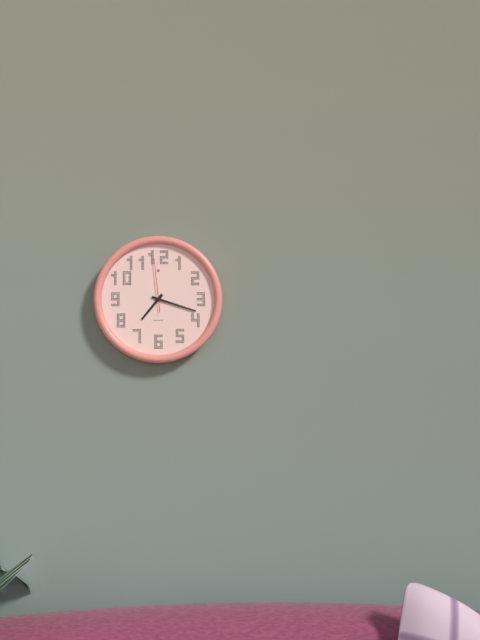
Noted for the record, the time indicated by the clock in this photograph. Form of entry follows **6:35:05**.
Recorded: **7:18:59**
